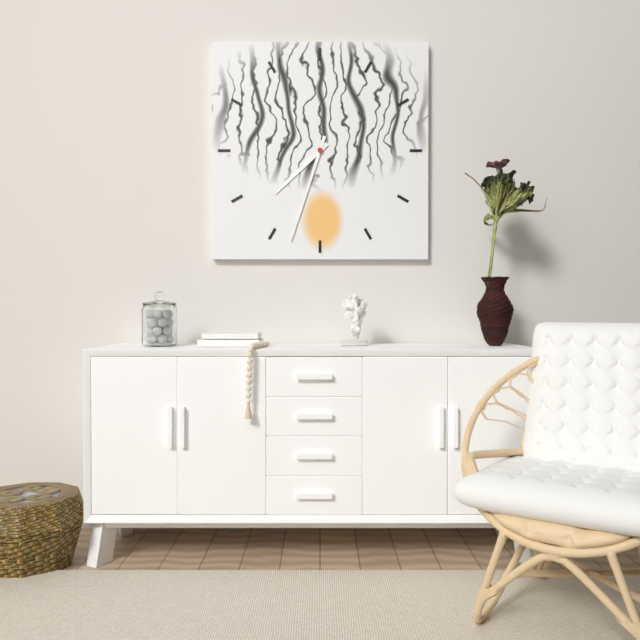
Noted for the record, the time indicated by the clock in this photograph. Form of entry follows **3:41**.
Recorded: **7:33**
